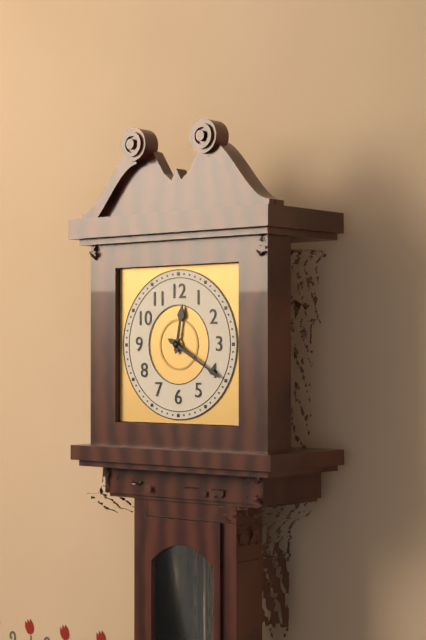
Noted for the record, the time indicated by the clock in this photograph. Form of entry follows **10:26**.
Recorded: **12:20**
